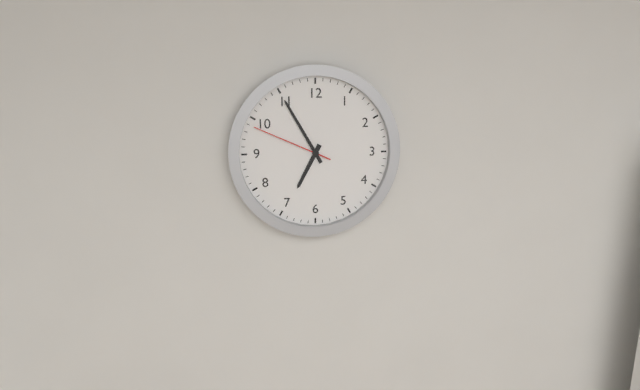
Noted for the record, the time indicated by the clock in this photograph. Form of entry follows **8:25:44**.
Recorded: **6:55:49**
